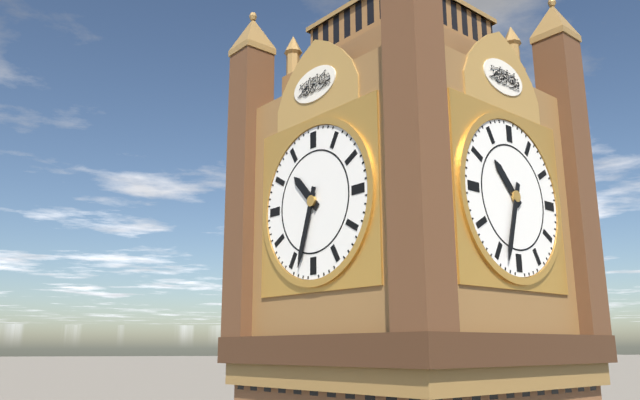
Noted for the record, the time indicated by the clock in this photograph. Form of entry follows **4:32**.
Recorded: **10:33**
